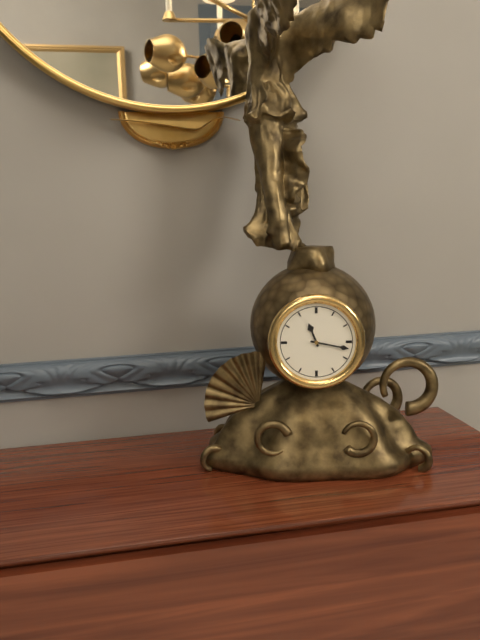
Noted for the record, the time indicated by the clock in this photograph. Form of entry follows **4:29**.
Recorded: **11:17**
